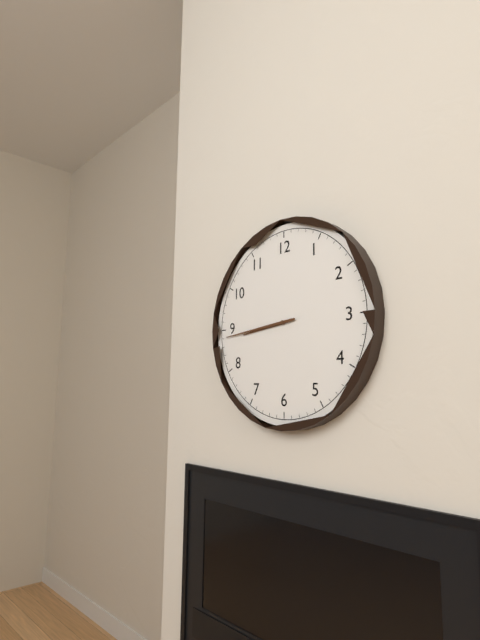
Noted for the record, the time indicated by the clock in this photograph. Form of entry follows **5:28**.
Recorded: **8:44**
